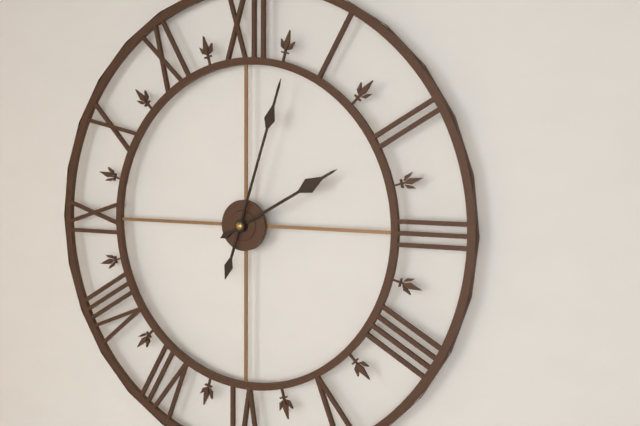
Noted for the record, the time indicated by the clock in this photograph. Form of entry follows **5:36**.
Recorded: **2:03**
